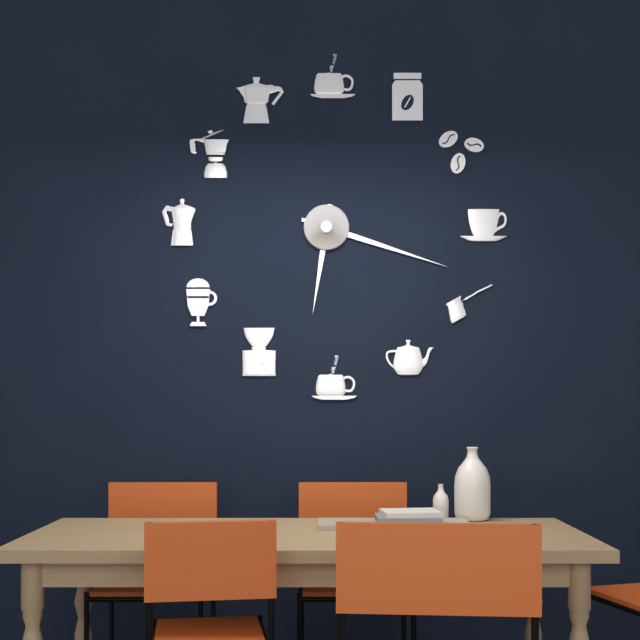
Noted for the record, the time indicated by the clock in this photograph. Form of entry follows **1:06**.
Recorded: **6:18**
